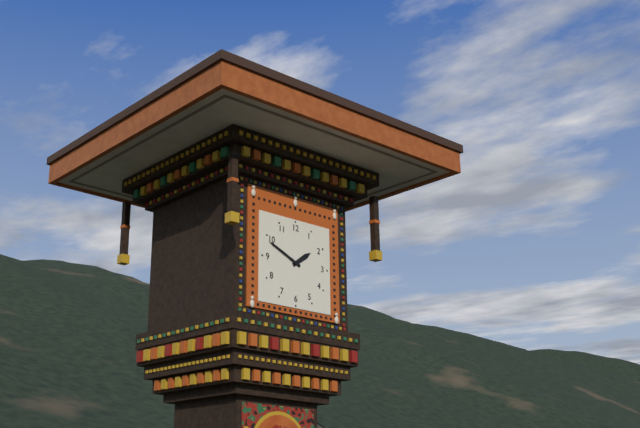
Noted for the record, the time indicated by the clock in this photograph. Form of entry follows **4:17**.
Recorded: **1:49**
